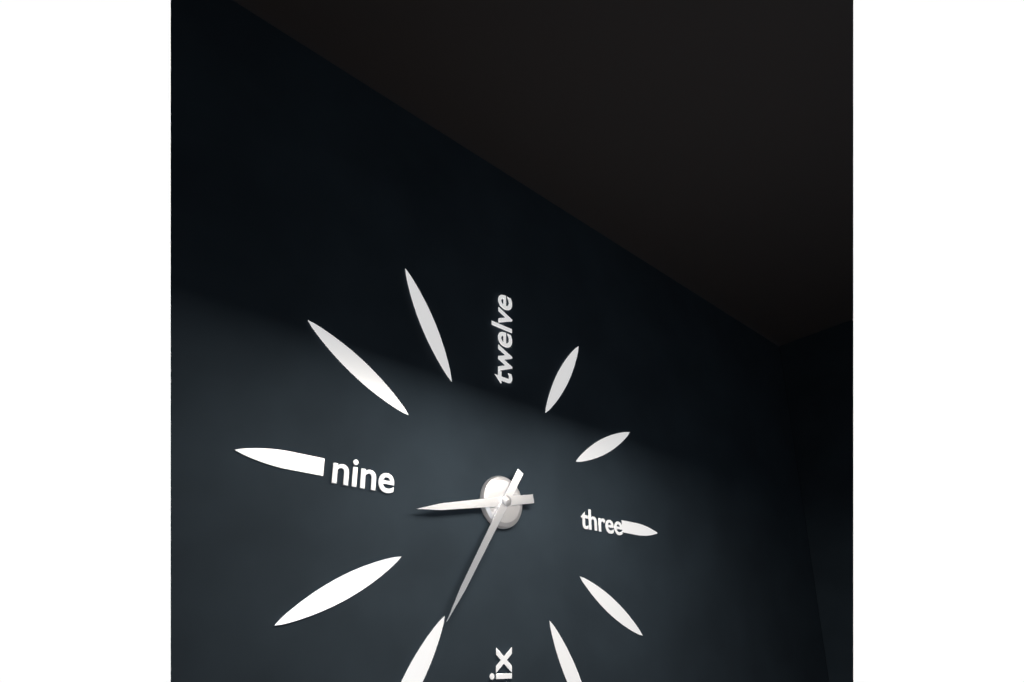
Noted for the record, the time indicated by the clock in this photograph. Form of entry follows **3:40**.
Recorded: **8:35**
